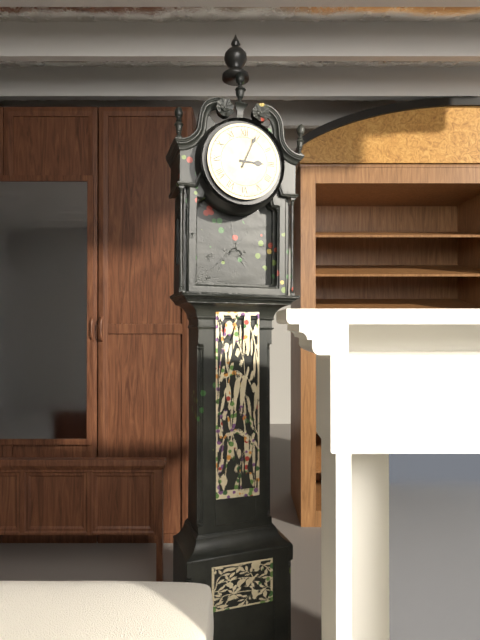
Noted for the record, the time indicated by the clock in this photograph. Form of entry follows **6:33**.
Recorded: **3:04**
